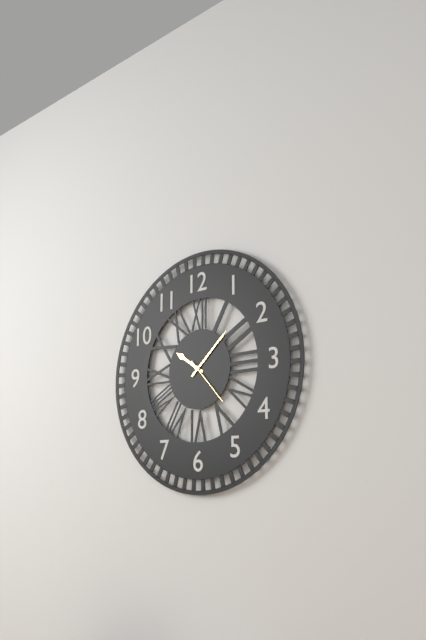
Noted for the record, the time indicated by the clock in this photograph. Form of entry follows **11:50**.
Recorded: **10:08**
